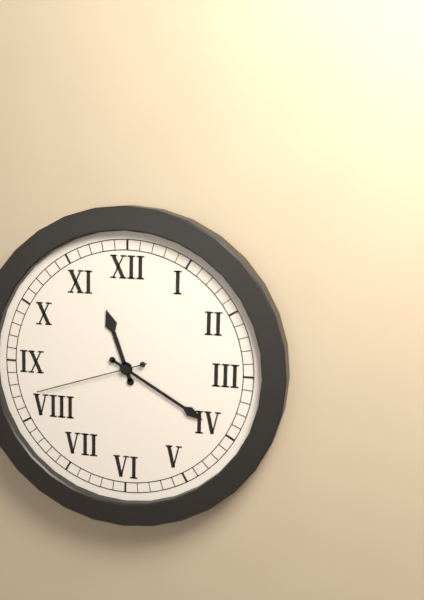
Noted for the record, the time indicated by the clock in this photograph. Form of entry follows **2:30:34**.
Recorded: **11:20:42**
